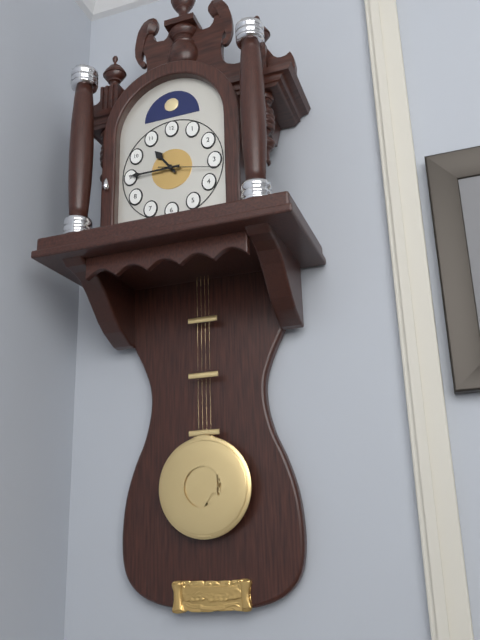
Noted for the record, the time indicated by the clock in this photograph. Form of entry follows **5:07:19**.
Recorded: **10:45:17**
